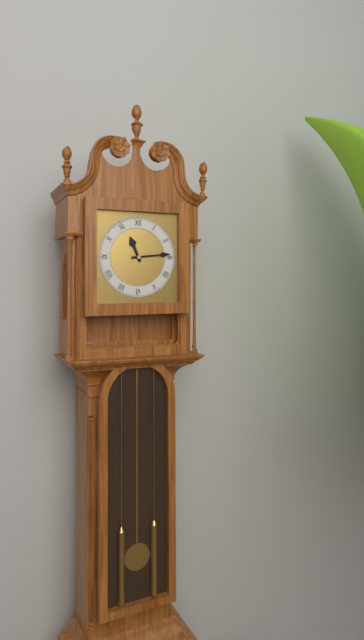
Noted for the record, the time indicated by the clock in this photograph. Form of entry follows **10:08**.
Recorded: **11:14**
